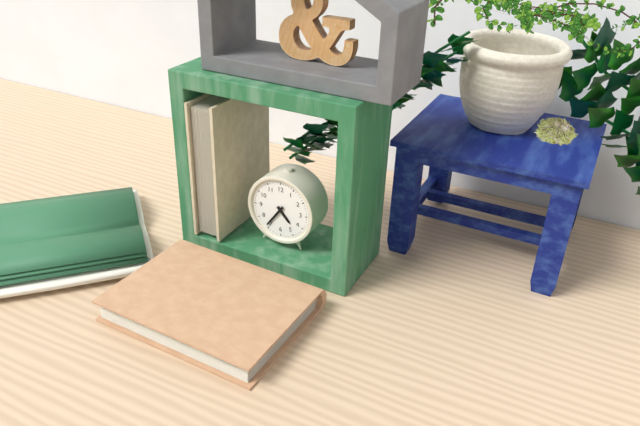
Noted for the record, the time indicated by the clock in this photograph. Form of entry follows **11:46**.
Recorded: **4:36**
